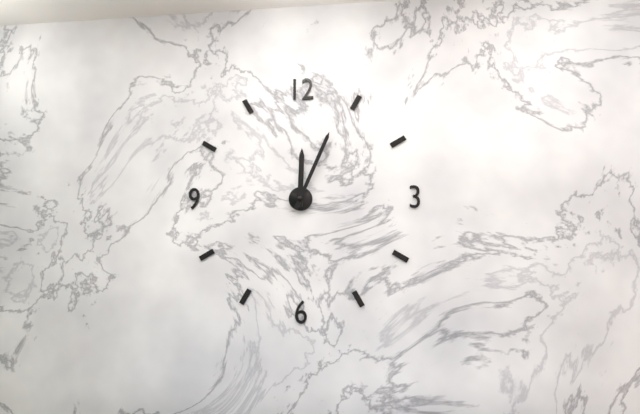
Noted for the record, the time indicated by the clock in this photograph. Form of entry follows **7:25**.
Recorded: **12:04**
